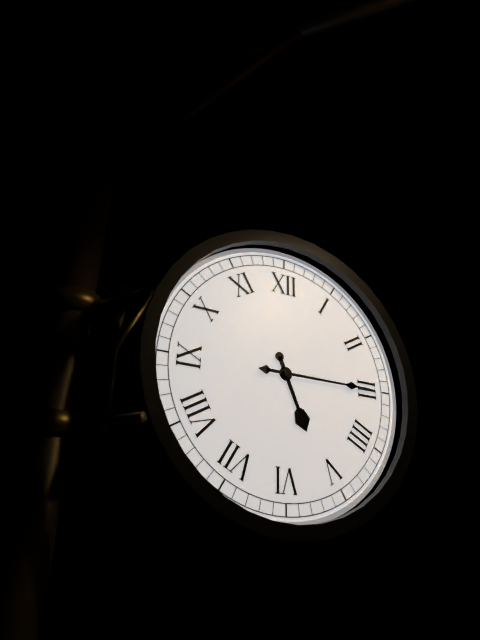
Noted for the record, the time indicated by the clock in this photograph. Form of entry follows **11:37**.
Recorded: **5:15**
